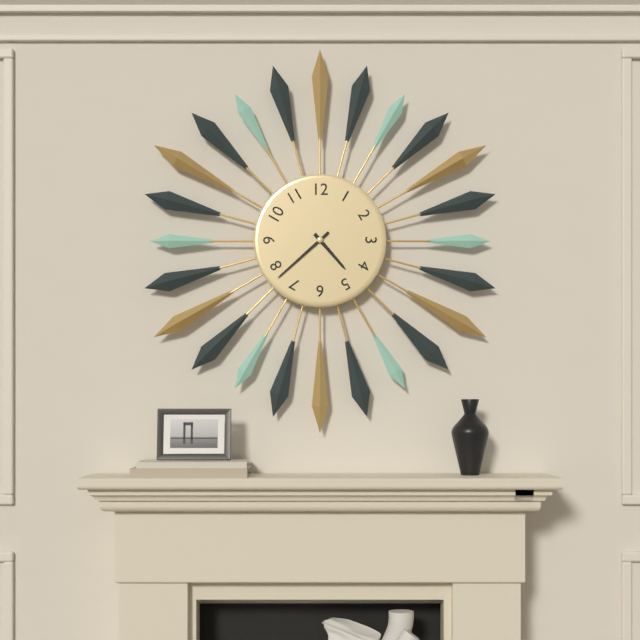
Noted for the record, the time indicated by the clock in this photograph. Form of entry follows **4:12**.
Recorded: **4:38**
